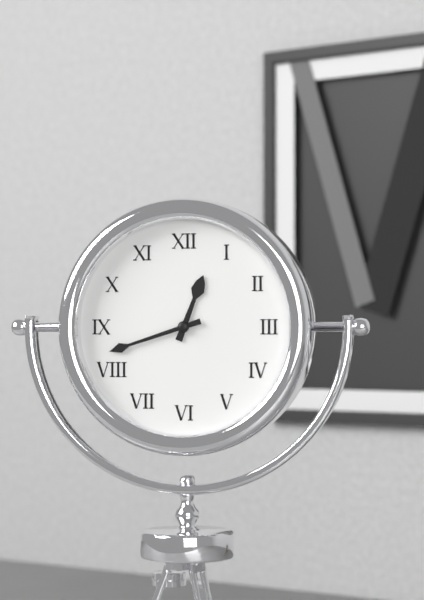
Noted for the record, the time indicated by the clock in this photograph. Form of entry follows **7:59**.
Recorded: **12:42**
